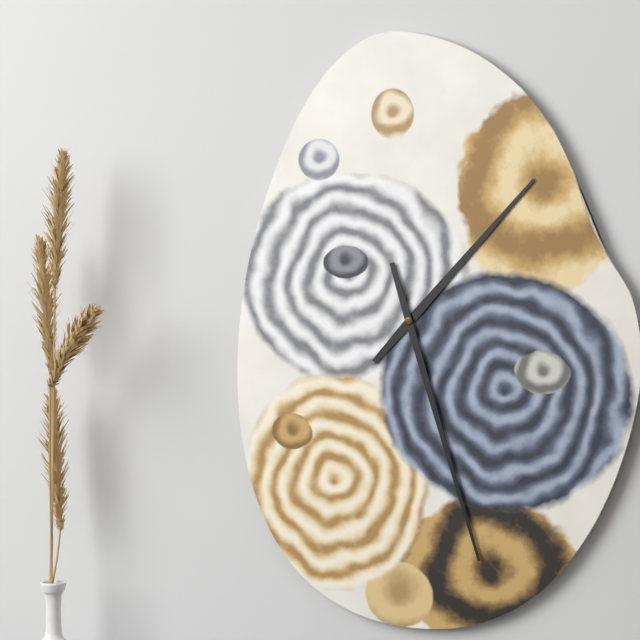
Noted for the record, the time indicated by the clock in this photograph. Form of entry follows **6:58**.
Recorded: **1:27**
